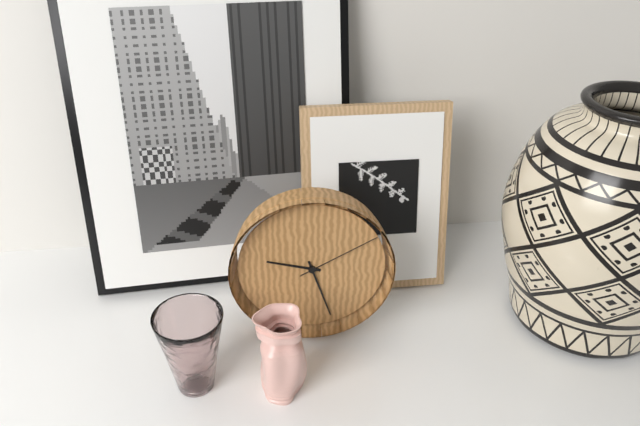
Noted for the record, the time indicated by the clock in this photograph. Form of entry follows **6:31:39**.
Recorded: **9:27:10**
